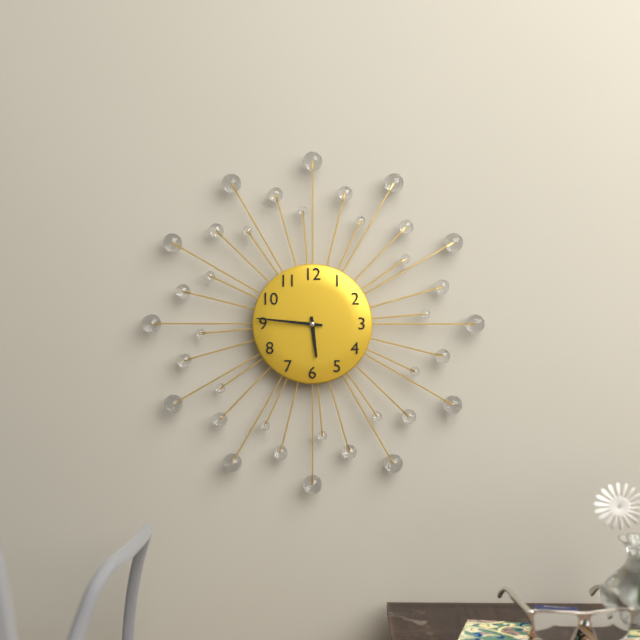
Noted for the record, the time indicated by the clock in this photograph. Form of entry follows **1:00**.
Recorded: **5:46**
